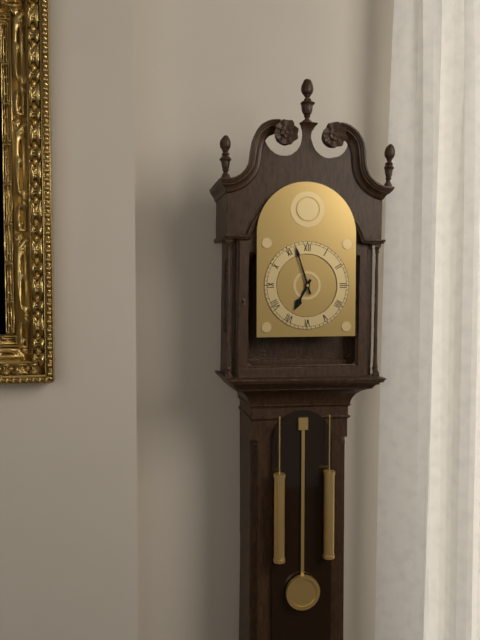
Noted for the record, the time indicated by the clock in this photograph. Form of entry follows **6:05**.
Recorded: **6:57**
